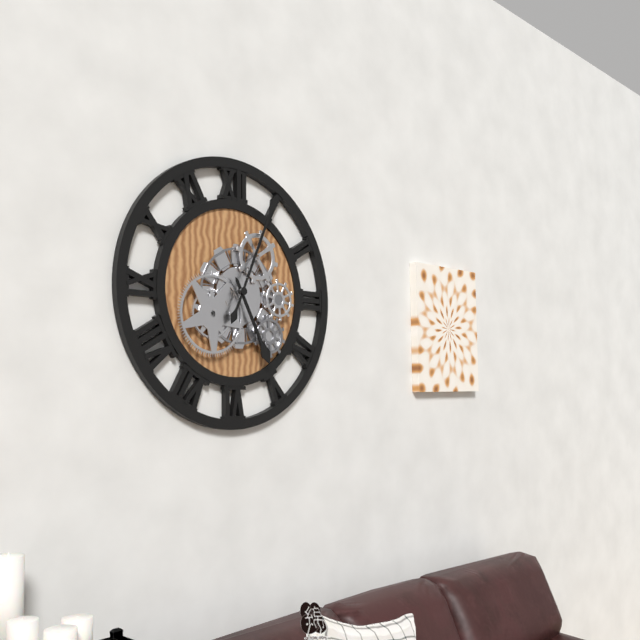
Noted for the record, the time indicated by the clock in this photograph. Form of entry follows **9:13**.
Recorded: **5:04**
